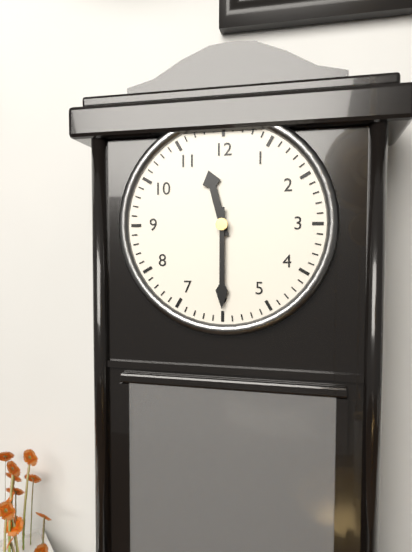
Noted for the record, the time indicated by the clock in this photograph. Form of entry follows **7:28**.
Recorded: **11:30**
